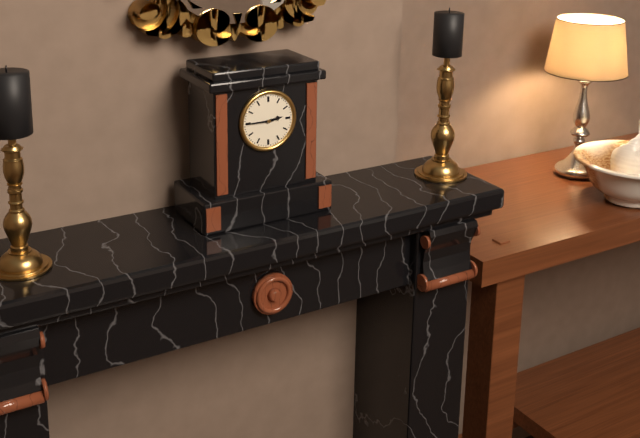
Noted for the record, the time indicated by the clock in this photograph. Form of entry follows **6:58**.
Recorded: **2:45**
